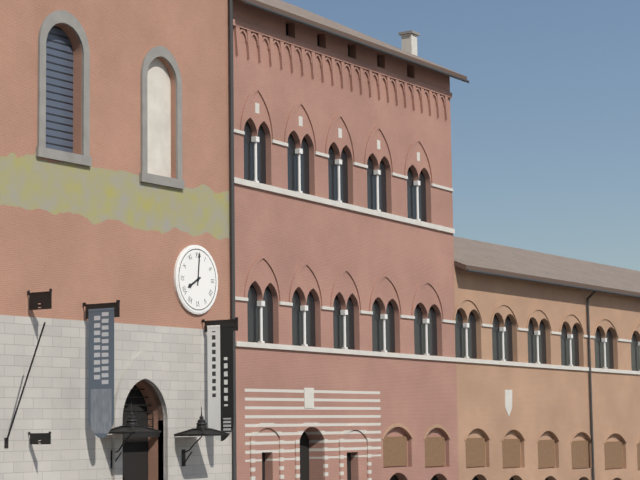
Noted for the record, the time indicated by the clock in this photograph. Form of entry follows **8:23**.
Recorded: **8:01**
